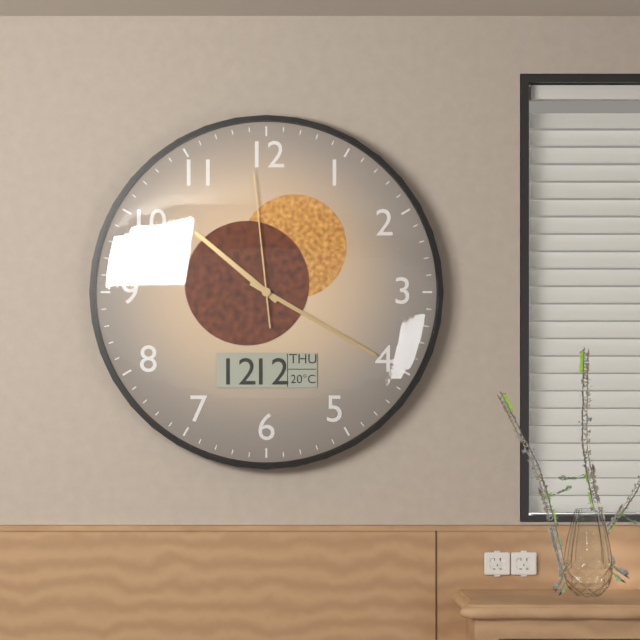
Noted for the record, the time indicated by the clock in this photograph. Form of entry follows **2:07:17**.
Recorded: **10:20:59**
